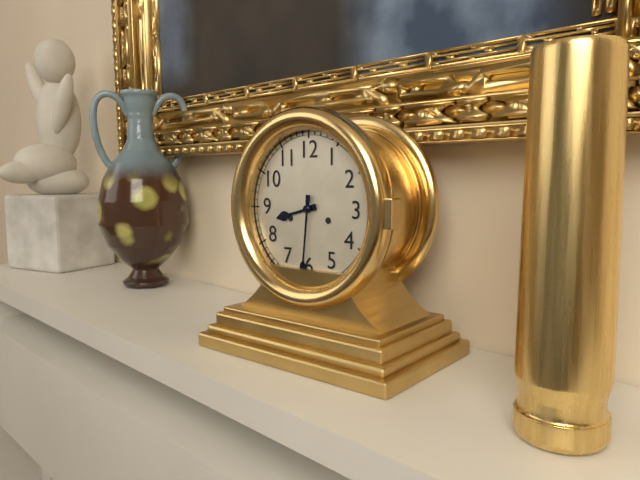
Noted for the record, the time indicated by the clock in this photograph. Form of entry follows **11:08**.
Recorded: **8:31**
